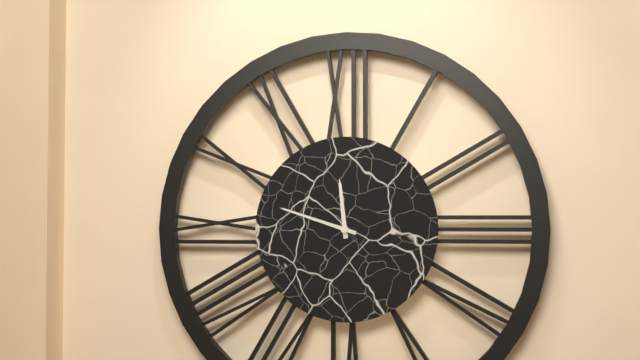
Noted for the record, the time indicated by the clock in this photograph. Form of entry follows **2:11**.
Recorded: **11:48**
